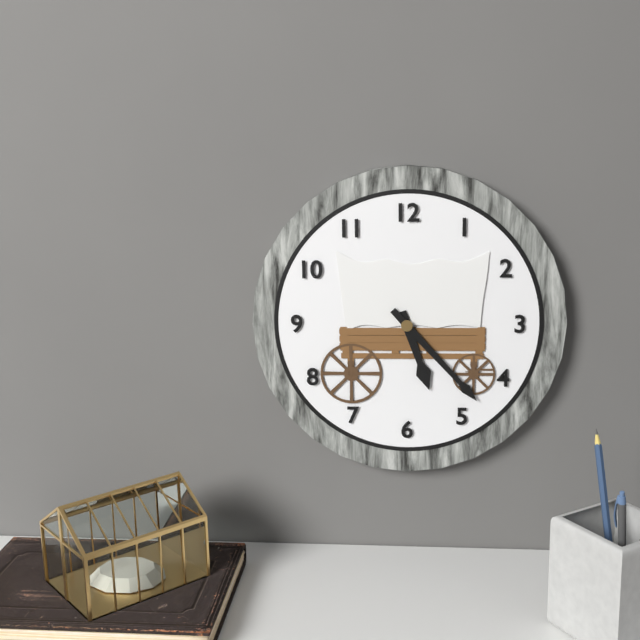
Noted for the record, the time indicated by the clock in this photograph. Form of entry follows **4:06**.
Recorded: **5:23**
